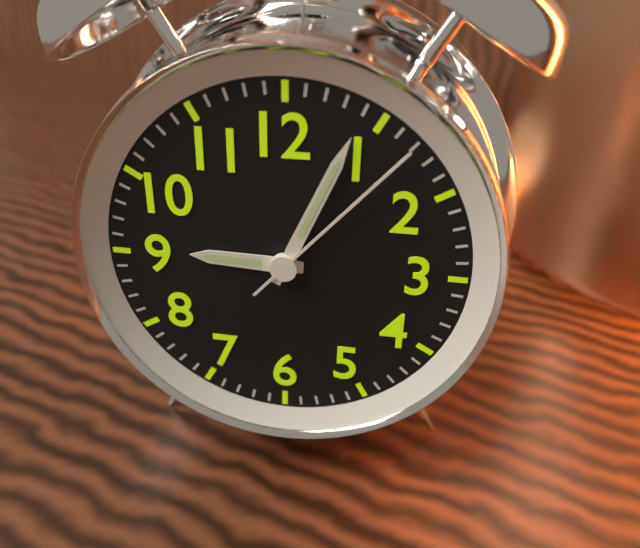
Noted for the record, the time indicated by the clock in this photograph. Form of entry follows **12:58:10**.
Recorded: **9:04:07**
